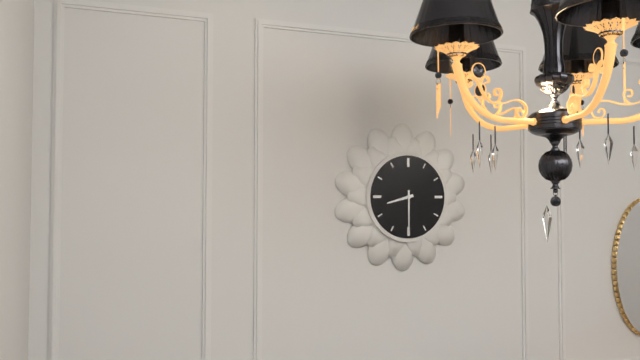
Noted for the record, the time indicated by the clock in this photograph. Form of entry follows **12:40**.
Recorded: **8:30**
